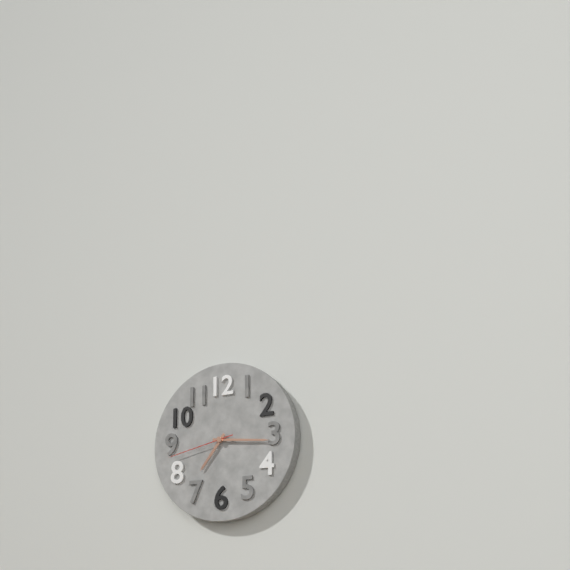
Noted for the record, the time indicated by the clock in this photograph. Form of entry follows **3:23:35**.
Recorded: **7:16:43**
